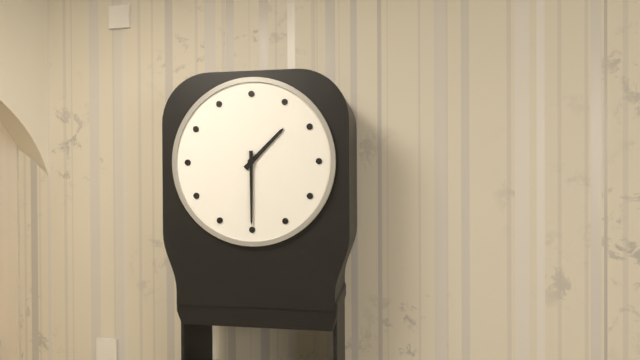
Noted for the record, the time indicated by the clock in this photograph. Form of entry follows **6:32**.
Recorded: **1:30**
